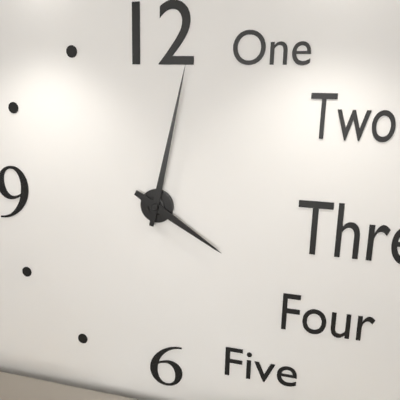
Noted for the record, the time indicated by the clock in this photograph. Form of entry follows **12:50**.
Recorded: **4:02**
